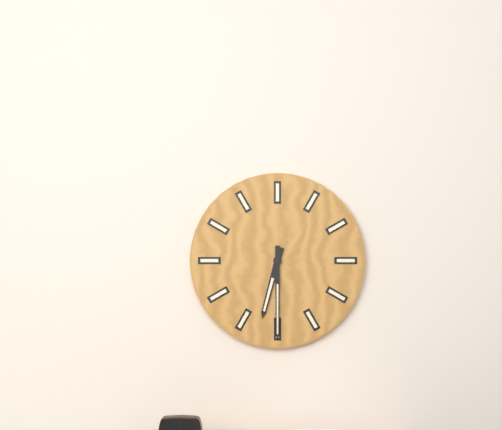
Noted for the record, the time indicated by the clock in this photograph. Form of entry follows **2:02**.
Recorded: **6:30**
